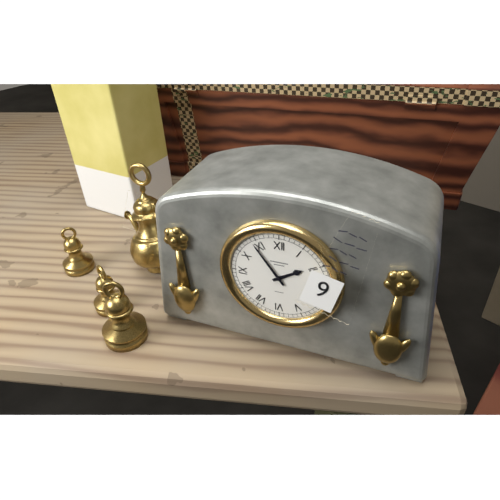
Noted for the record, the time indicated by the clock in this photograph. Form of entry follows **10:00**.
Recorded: **1:54**
